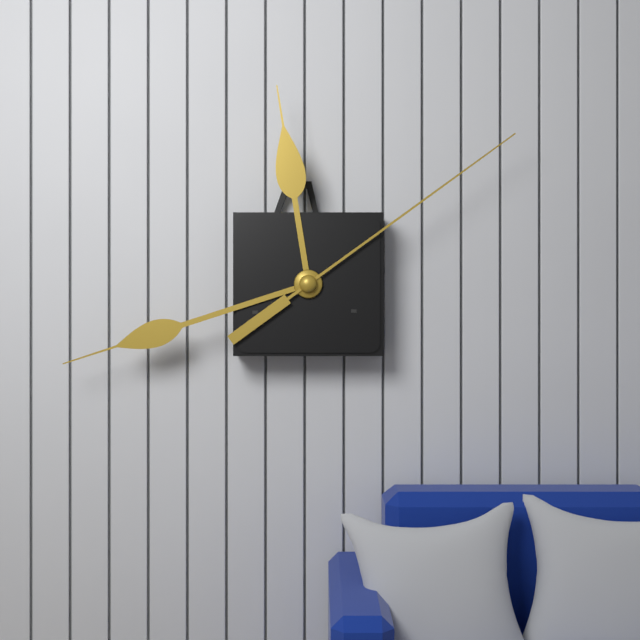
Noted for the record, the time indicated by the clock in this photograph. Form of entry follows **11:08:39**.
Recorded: **11:42:09**
